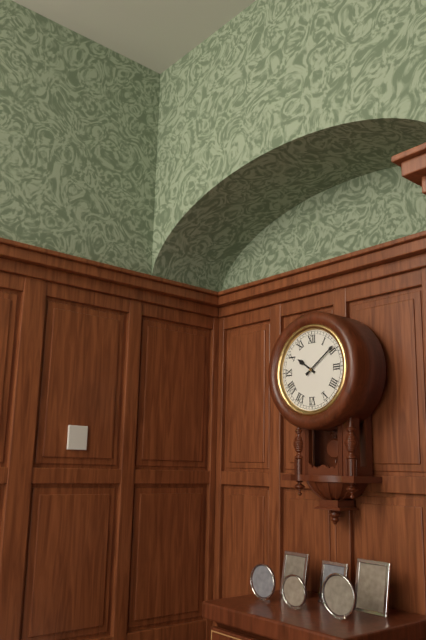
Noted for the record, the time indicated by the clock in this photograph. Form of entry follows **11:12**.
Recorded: **10:09**
